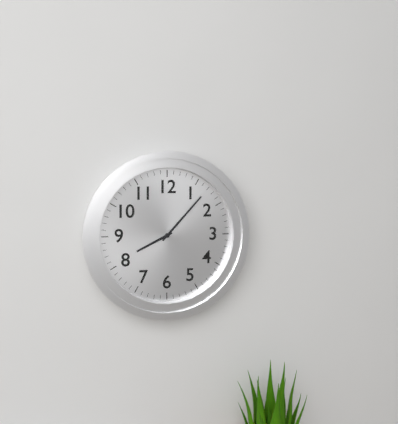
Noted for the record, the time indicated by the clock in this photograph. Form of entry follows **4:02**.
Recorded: **8:07**
